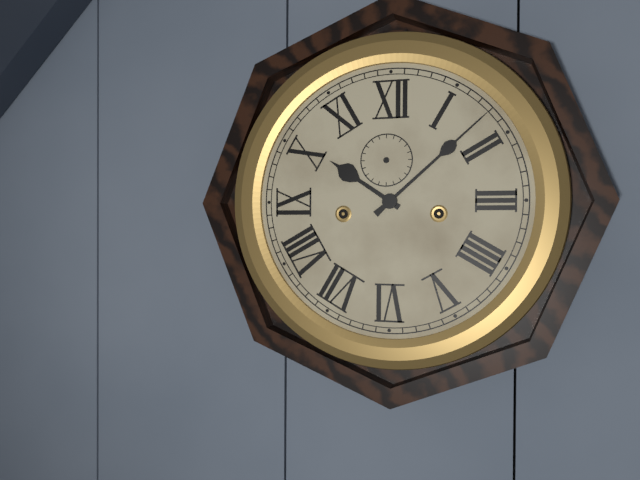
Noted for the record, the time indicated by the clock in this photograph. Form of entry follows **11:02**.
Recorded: **10:08**
